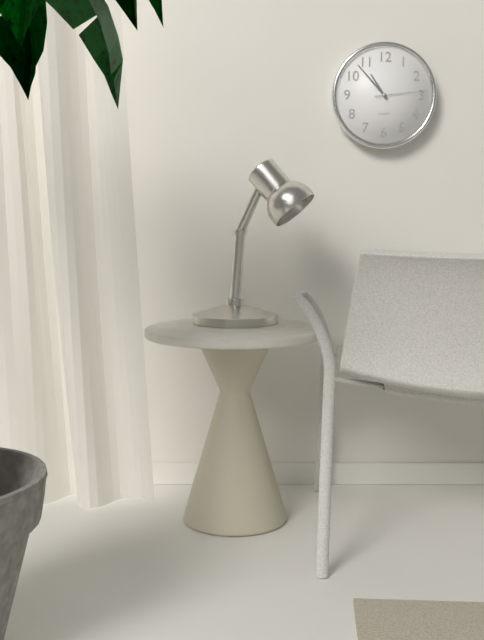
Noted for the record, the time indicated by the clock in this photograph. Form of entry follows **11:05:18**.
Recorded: **10:53:14**
